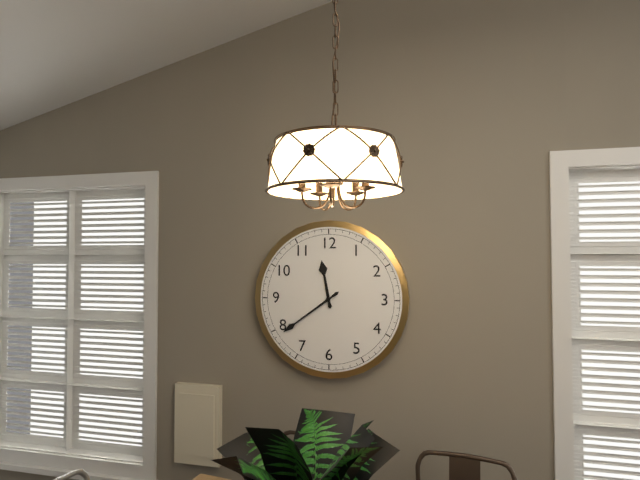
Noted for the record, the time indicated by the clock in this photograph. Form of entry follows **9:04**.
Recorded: **11:39**
